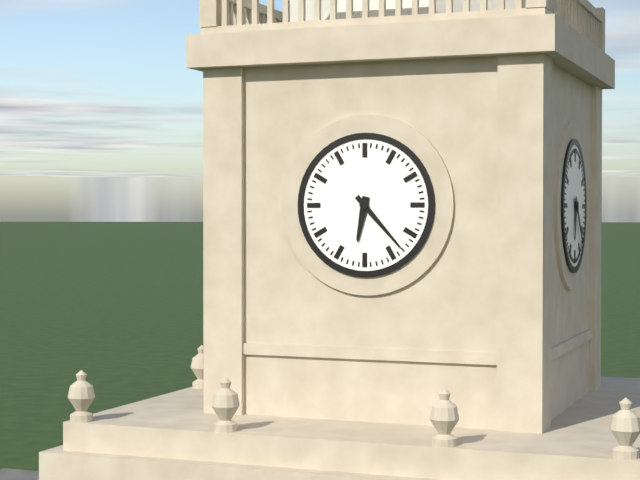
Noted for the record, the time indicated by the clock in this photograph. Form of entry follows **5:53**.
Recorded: **6:23**
